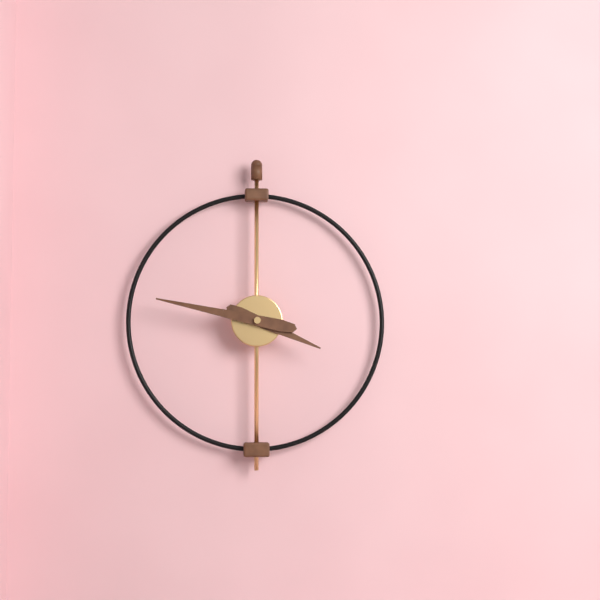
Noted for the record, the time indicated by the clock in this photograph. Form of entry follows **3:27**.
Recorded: **3:47**
